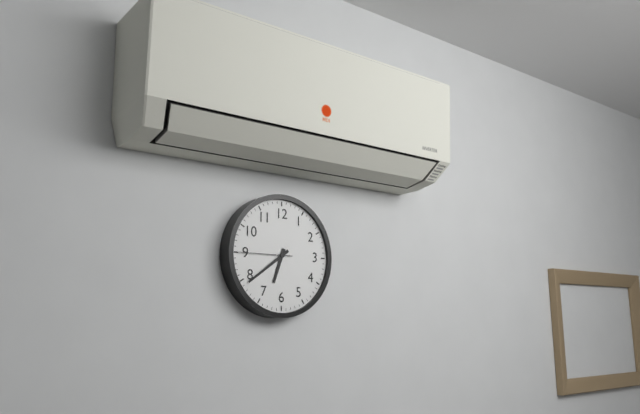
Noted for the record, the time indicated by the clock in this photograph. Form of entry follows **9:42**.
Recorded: **6:39**
